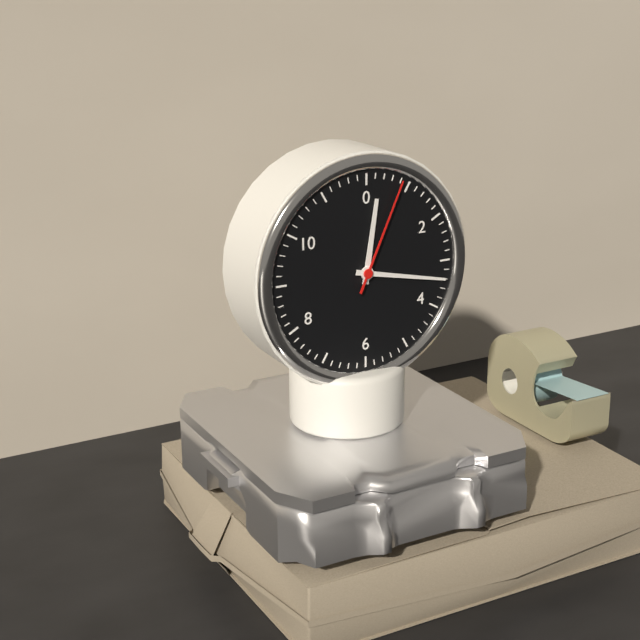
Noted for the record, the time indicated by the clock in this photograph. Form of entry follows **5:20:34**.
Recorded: **12:17:04**
